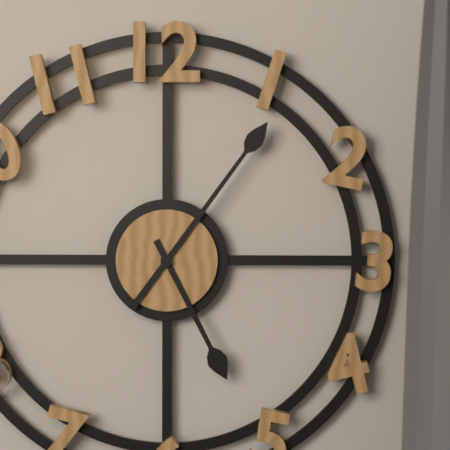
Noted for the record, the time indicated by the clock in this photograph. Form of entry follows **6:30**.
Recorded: **5:06**
